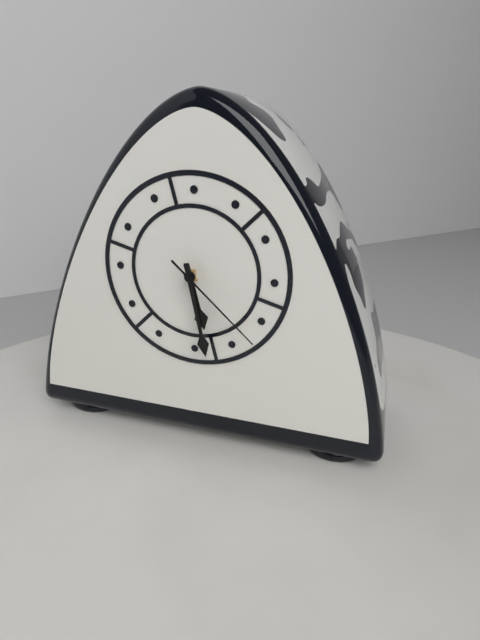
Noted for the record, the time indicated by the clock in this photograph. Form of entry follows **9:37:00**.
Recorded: **5:28:22**
